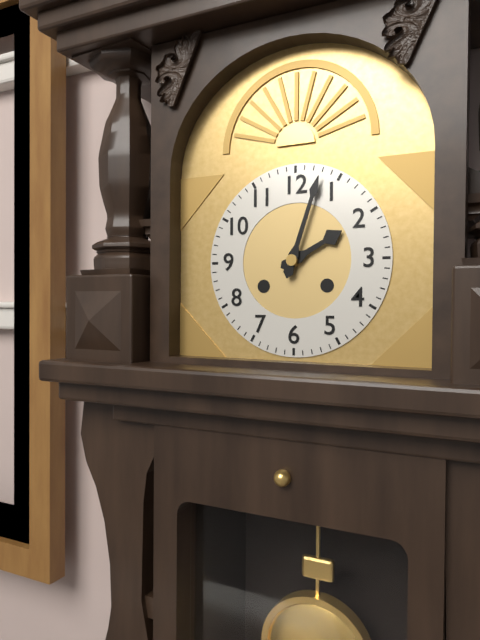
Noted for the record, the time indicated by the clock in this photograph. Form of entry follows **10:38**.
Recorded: **2:03**
